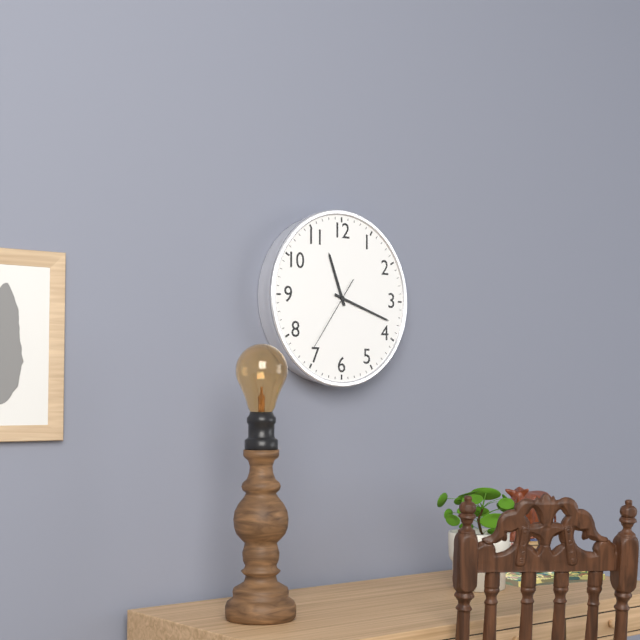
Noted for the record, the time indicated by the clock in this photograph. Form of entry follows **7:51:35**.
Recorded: **11:18:36**
